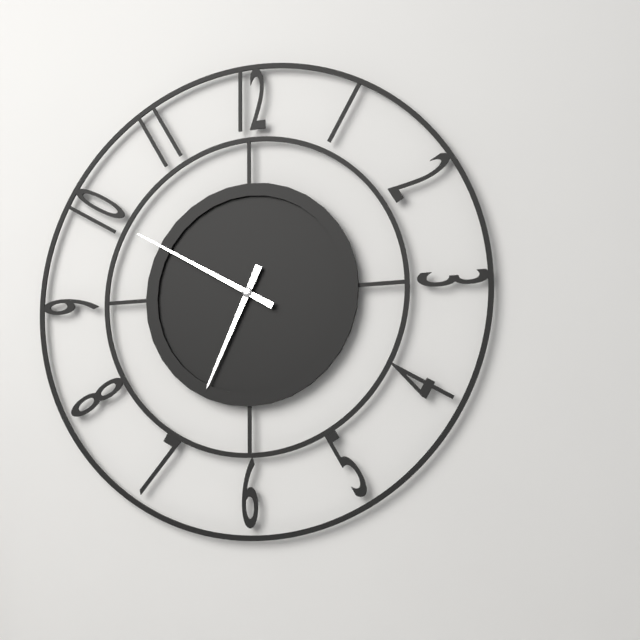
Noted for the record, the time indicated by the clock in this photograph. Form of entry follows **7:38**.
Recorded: **6:50**
